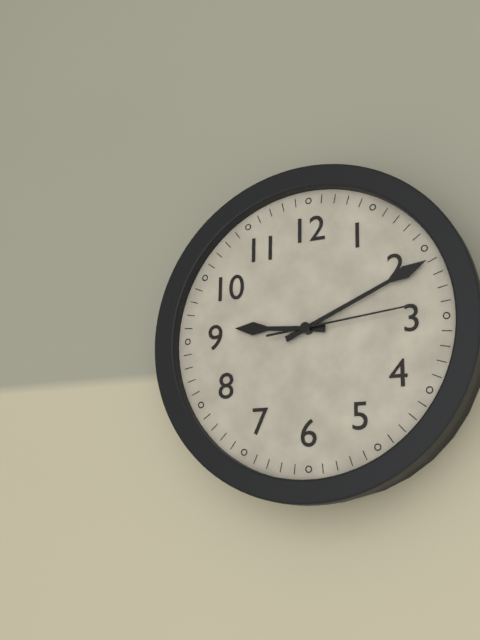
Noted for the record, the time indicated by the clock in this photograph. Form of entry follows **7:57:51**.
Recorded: **9:11:14**
